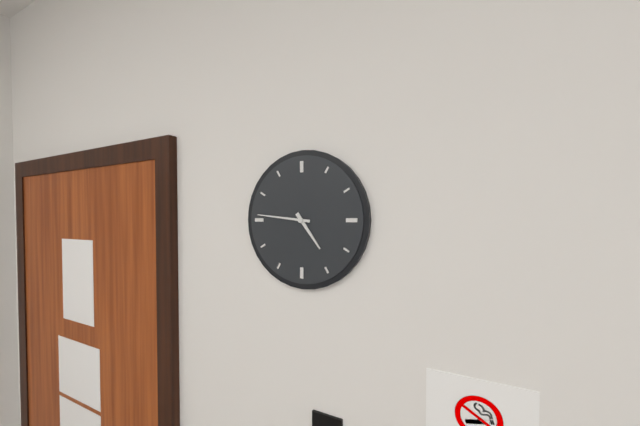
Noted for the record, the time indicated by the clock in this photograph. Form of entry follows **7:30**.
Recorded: **4:46**
